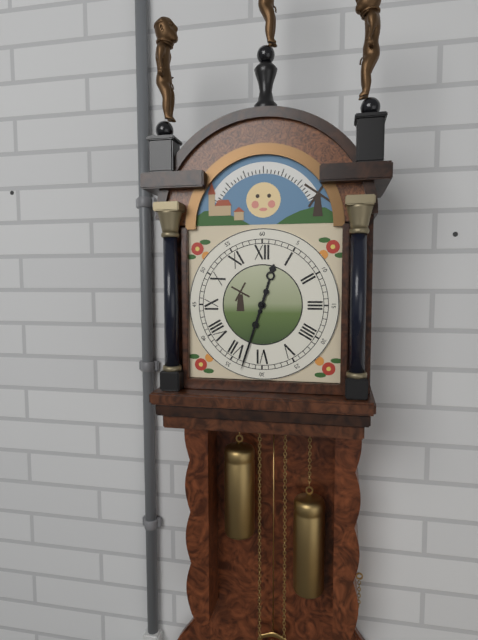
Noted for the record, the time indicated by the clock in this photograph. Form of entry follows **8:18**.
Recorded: **12:33**
